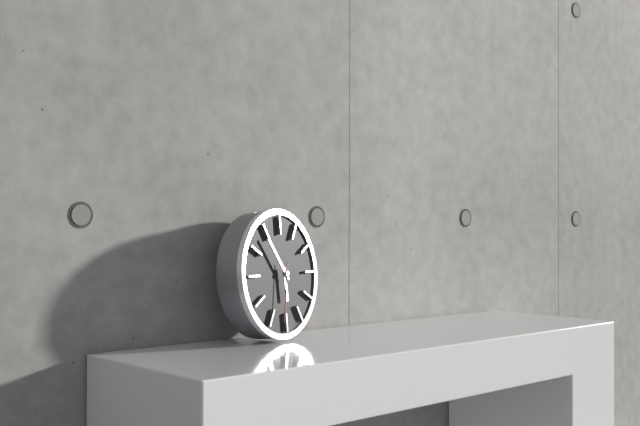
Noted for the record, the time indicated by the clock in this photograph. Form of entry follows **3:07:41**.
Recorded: **5:54:32**
